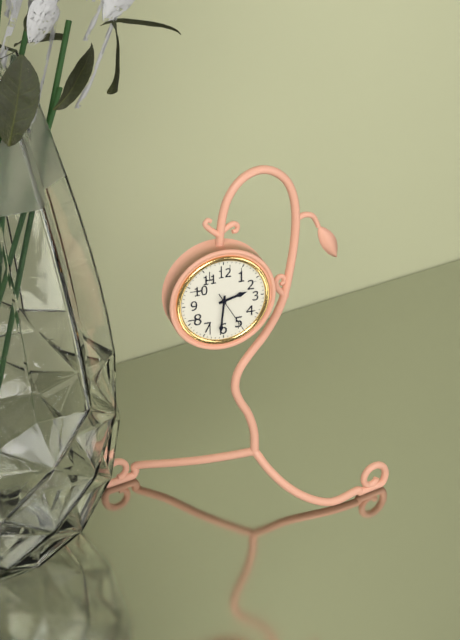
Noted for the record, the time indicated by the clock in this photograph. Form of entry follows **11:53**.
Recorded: **2:31**
